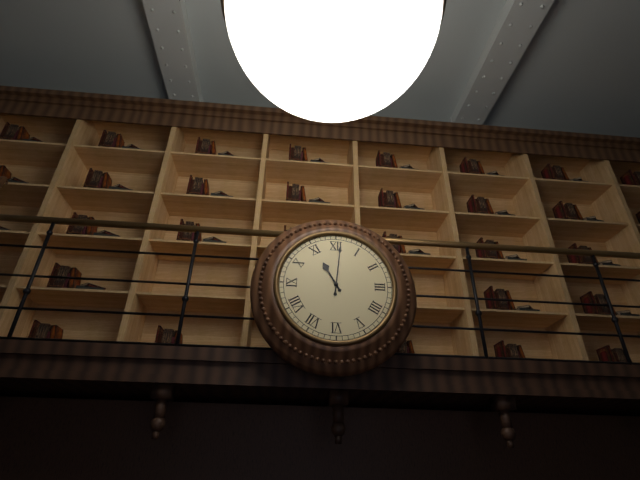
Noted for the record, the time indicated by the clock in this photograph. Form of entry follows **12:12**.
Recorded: **11:01**
